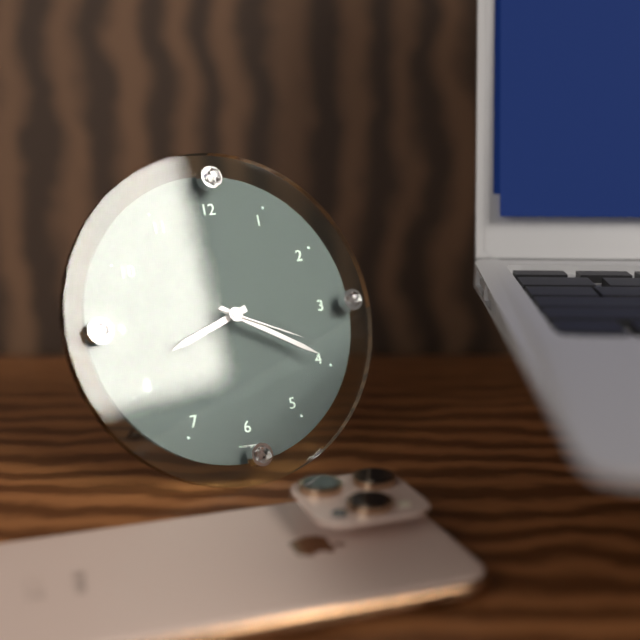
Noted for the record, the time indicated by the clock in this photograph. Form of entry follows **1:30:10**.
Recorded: **8:20:19**
